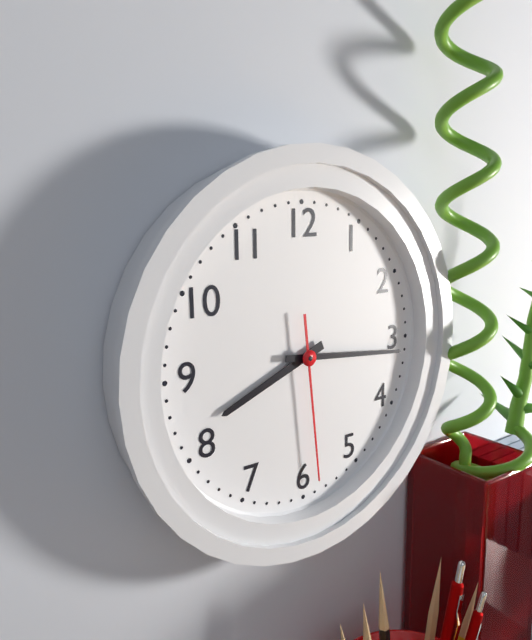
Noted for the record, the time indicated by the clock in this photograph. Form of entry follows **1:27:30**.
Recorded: **8:16:29**
